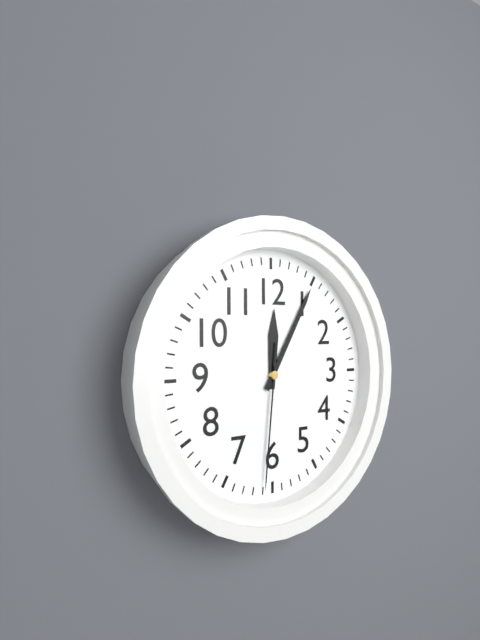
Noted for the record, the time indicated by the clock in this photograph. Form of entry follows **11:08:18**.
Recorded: **12:05:31**
